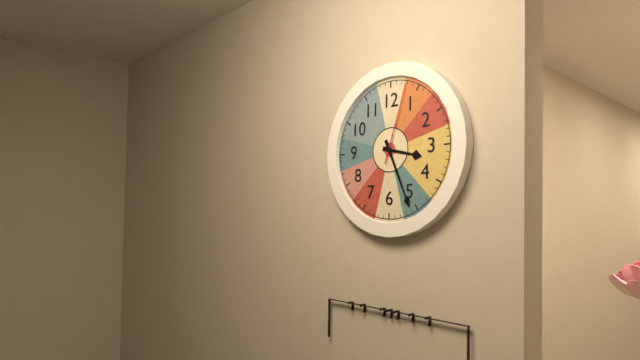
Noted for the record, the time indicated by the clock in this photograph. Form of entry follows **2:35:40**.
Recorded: **3:26:03**
